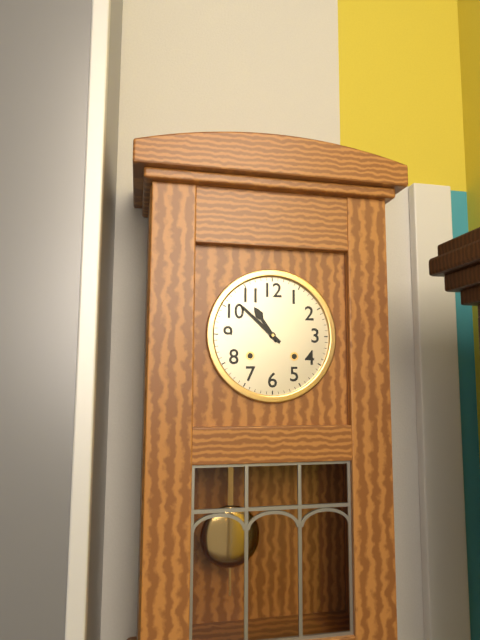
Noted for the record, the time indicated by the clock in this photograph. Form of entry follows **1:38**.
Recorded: **10:52**
